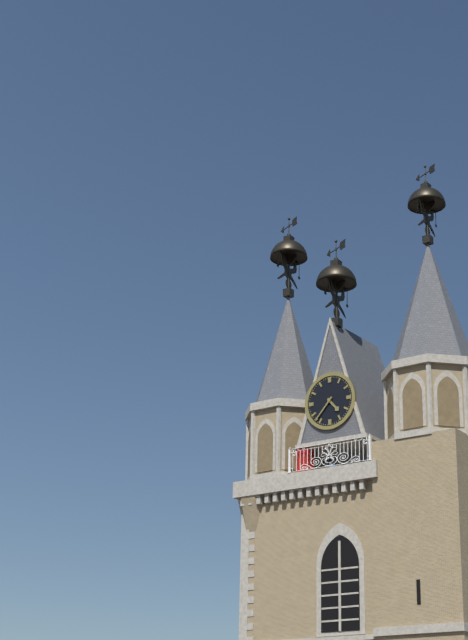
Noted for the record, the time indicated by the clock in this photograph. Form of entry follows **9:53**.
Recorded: **4:37**
